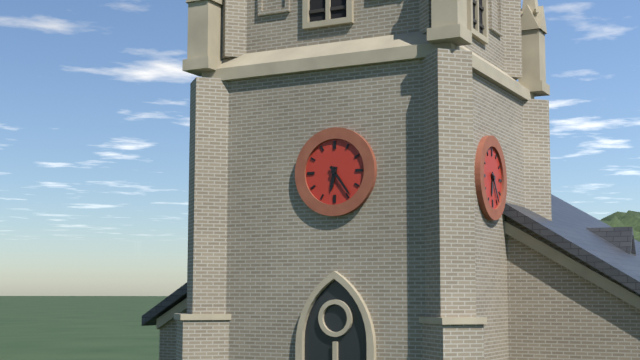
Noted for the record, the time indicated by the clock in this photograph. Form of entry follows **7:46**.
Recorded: **6:24**
